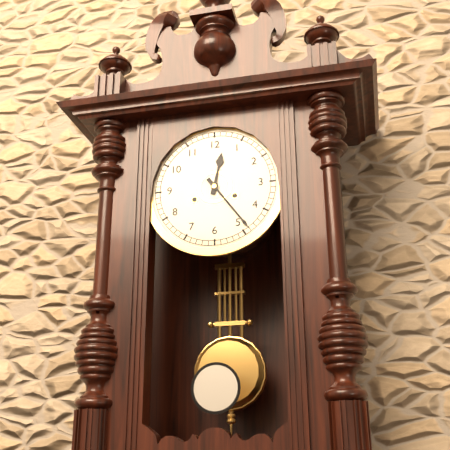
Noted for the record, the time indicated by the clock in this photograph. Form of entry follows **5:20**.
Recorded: **12:24**
